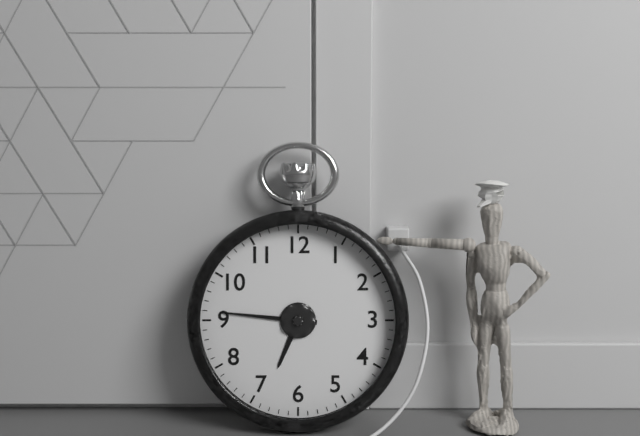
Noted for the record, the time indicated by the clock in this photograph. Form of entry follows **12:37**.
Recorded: **6:46**
